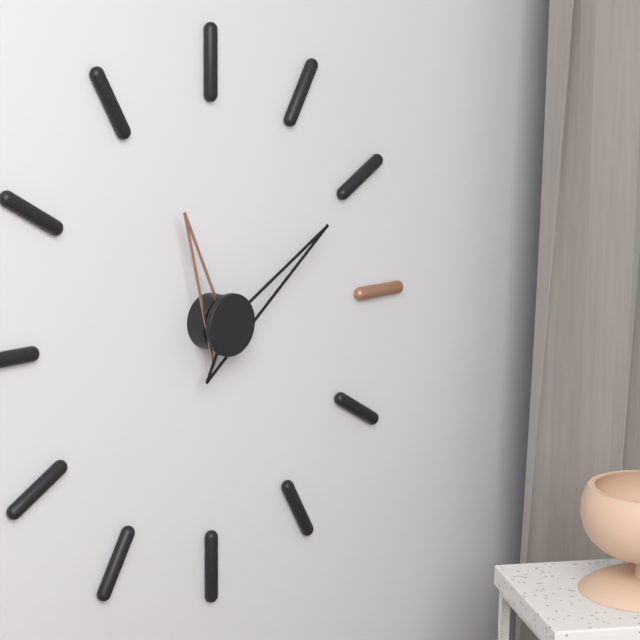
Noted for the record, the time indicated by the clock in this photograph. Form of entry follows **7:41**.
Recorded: **11:10**
